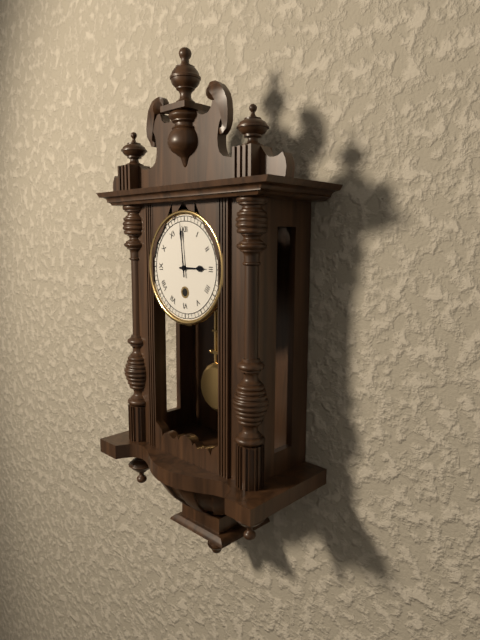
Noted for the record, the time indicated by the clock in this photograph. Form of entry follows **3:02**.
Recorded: **2:59**
